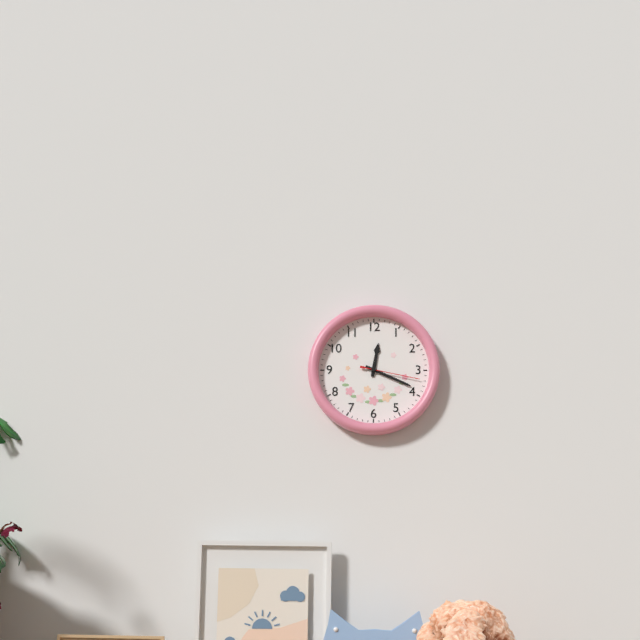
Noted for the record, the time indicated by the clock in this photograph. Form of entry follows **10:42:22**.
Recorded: **12:19:17**
